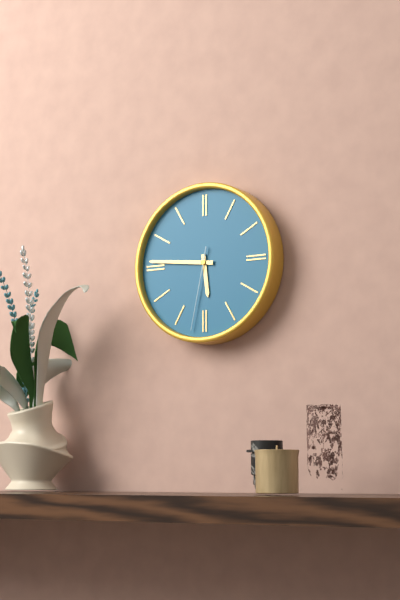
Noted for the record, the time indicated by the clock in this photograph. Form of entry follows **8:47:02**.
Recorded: **5:46:32**
